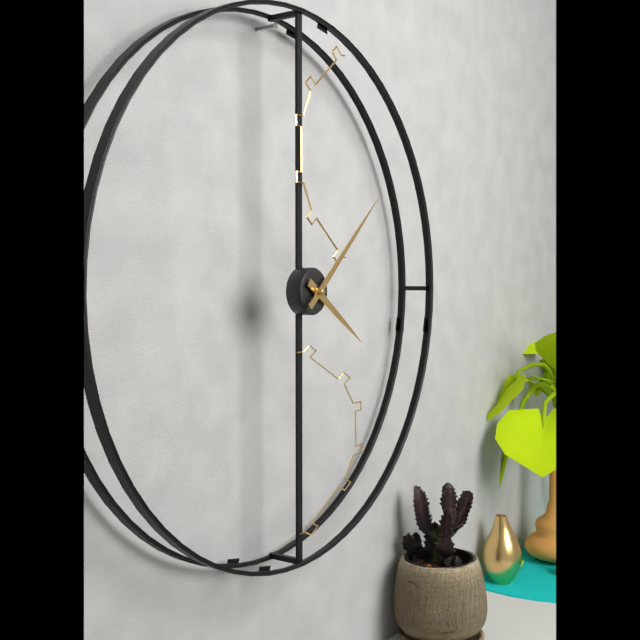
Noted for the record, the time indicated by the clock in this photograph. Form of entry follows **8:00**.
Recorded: **4:08**
